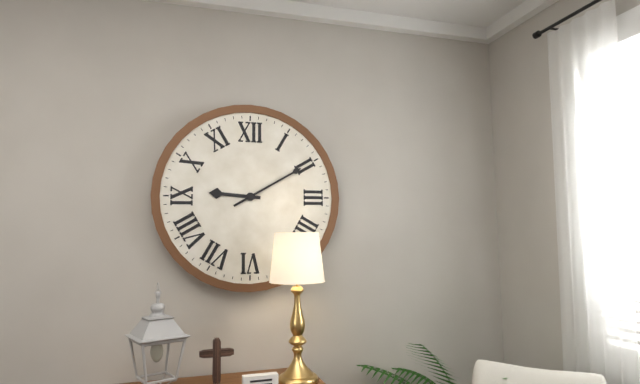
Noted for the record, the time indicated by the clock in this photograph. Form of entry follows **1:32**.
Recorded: **9:10**
